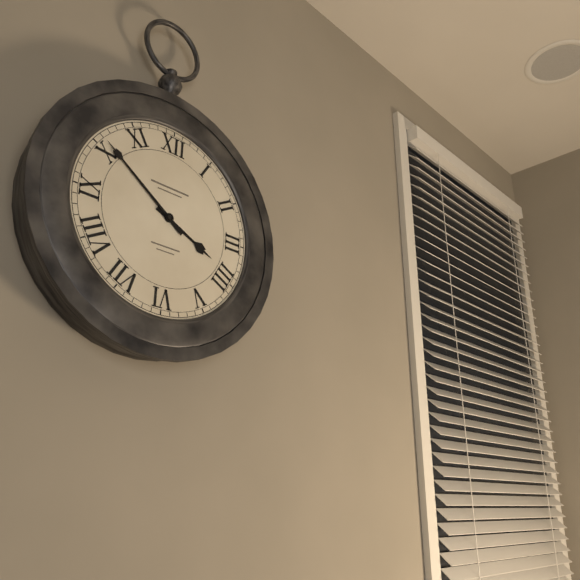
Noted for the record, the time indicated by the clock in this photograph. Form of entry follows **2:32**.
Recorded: **3:51**
